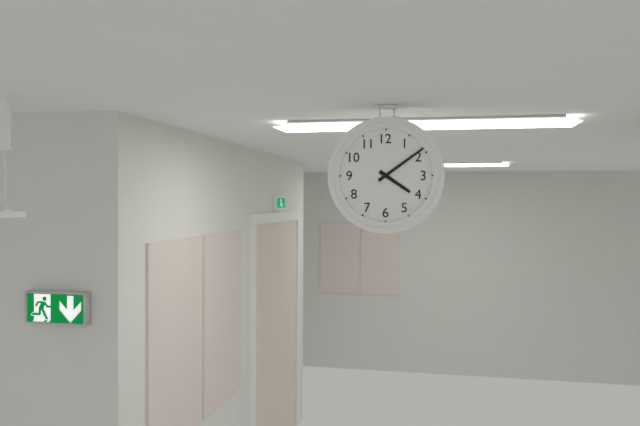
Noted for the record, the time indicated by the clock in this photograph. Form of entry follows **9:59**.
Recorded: **4:09**
